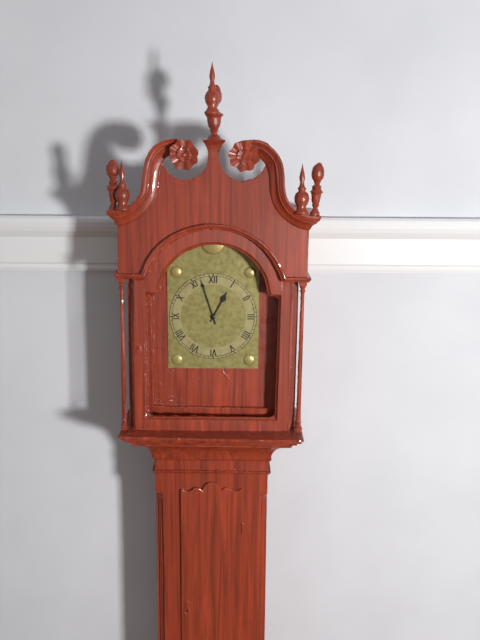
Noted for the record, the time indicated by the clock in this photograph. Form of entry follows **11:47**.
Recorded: **12:57**
